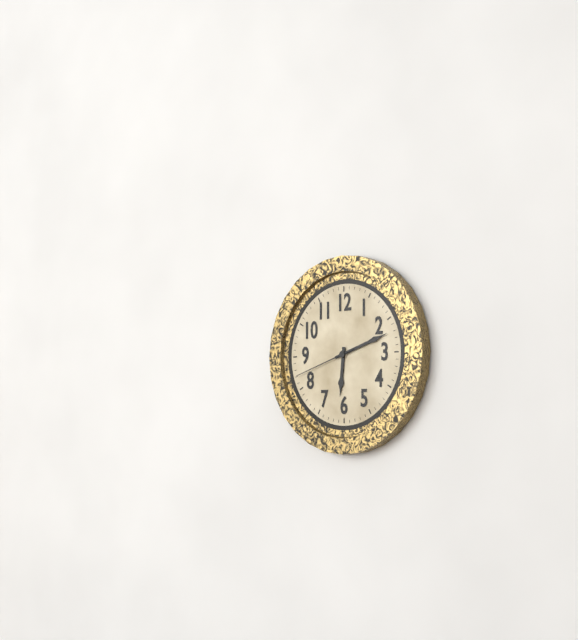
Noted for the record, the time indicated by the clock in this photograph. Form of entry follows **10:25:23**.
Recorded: **6:12:42**
